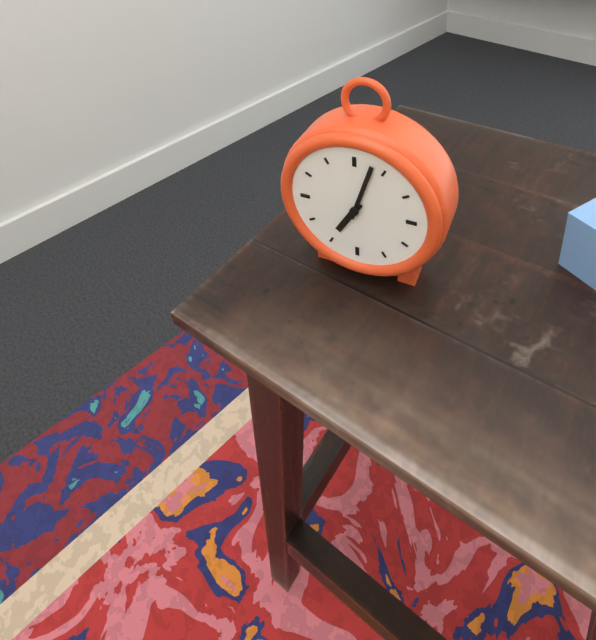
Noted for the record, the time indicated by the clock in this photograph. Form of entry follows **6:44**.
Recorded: **7:03**
